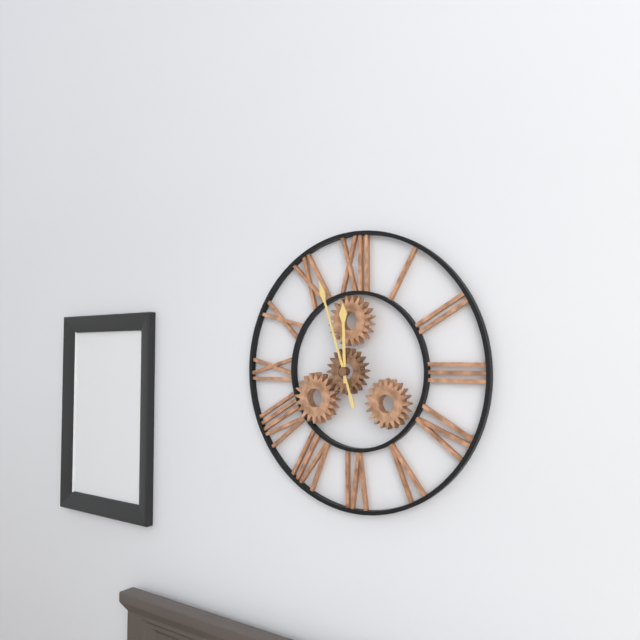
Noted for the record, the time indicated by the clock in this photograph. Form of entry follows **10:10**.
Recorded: **11:57**
